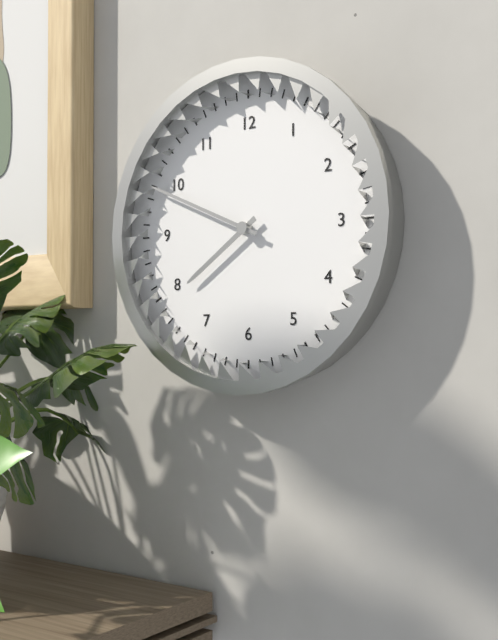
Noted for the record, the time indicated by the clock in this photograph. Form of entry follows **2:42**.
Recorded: **7:49**
